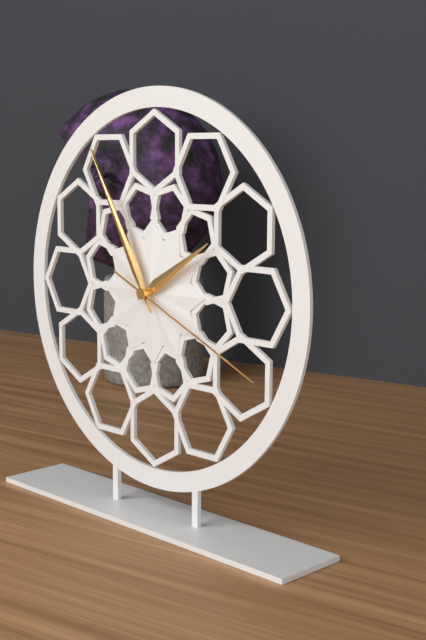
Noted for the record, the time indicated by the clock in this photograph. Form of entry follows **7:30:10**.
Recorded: **1:55:19**
